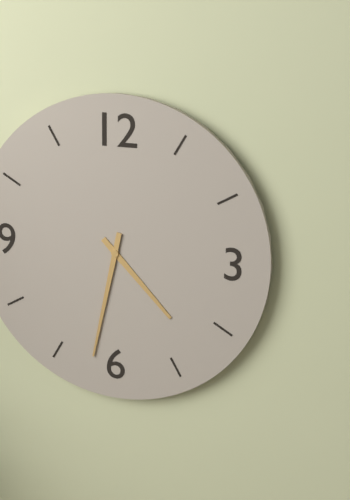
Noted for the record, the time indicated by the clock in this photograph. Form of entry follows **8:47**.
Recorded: **4:32**
